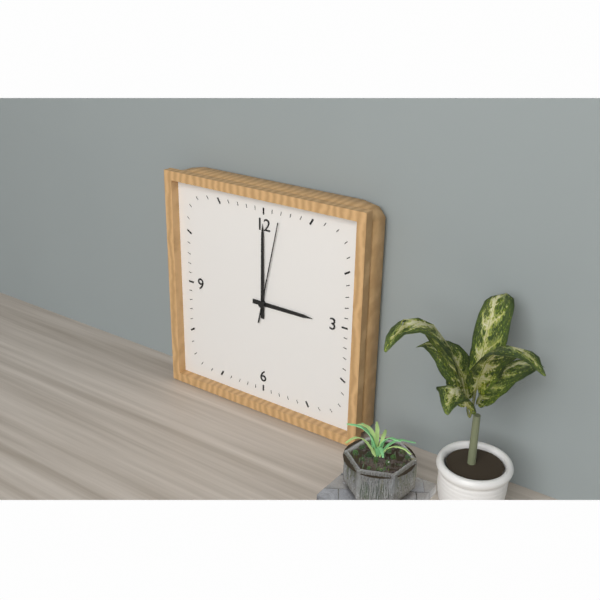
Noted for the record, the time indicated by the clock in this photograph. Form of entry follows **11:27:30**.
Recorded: **3:00:02**
